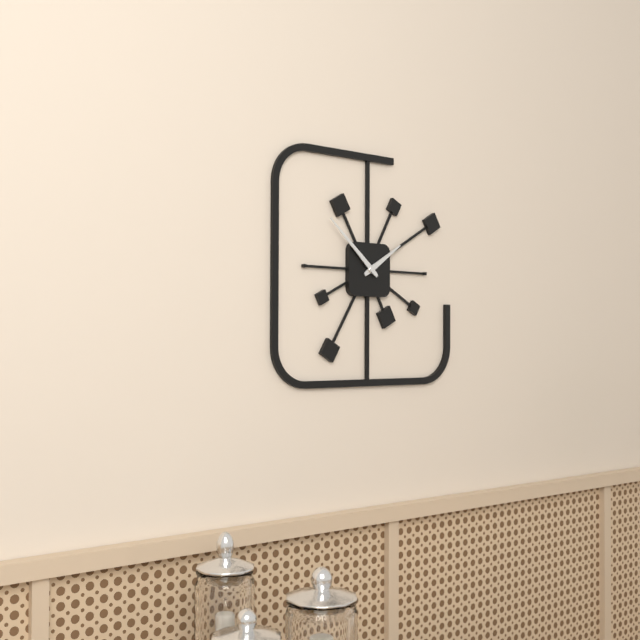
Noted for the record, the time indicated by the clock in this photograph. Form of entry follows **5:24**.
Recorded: **1:52**
